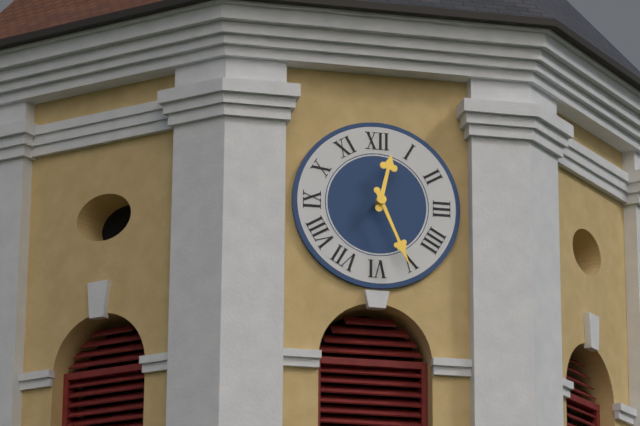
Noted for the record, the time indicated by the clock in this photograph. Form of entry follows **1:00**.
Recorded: **12:26**
